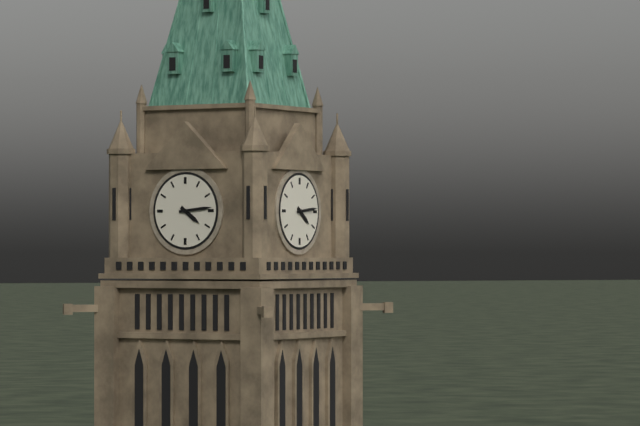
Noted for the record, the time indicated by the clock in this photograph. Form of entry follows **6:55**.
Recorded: **4:14**
